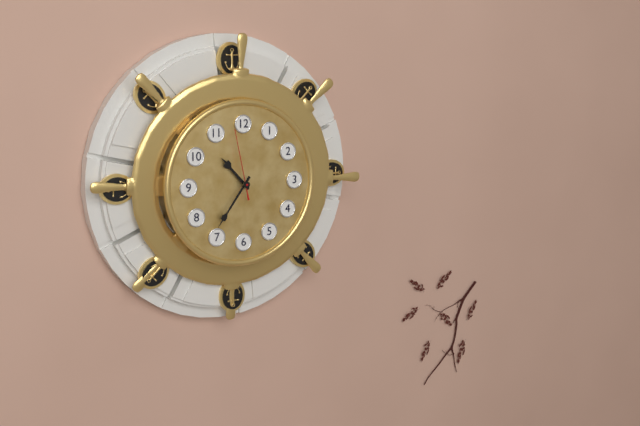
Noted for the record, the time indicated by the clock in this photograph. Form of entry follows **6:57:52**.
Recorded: **10:36:58**
